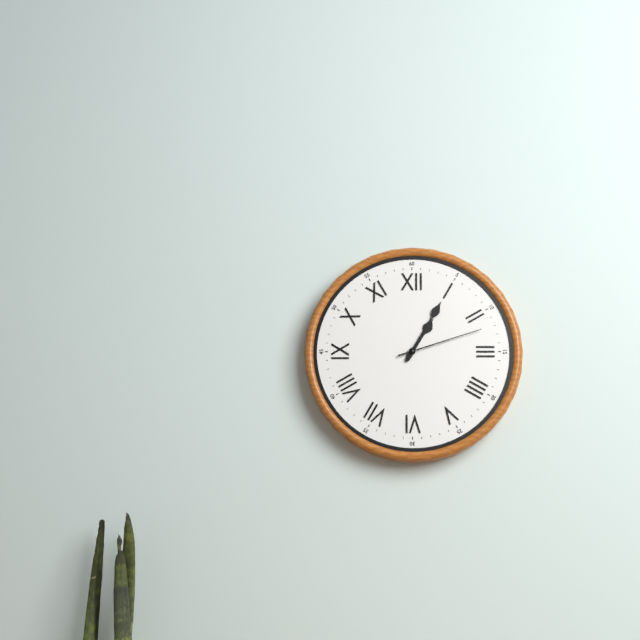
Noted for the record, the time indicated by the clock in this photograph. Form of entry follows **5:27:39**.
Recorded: **1:05:12**
